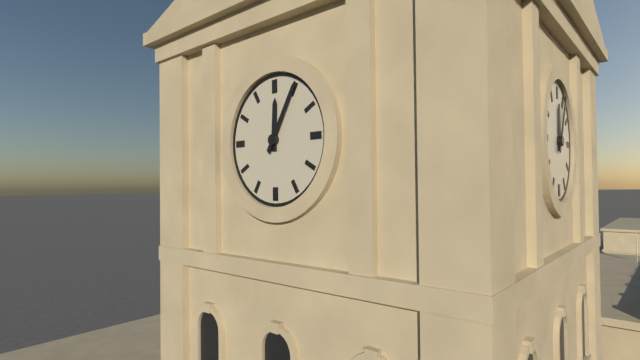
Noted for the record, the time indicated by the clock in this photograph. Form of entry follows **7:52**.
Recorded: **12:05**
